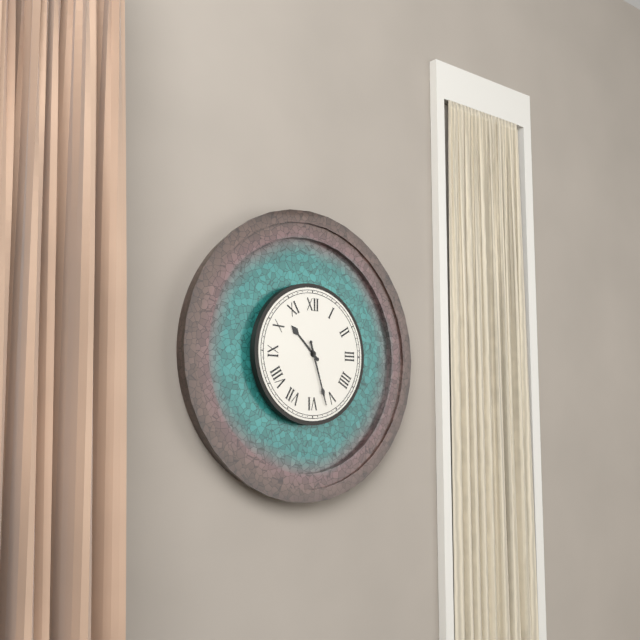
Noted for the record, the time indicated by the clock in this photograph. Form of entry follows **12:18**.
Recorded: **10:27**
